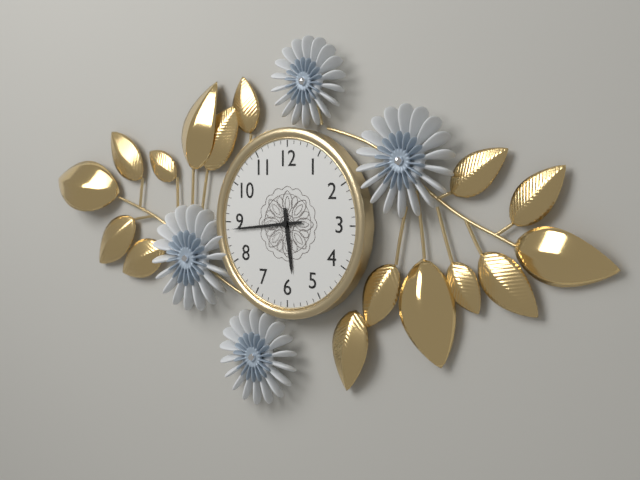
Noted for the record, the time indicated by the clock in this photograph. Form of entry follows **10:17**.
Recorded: **5:44**
